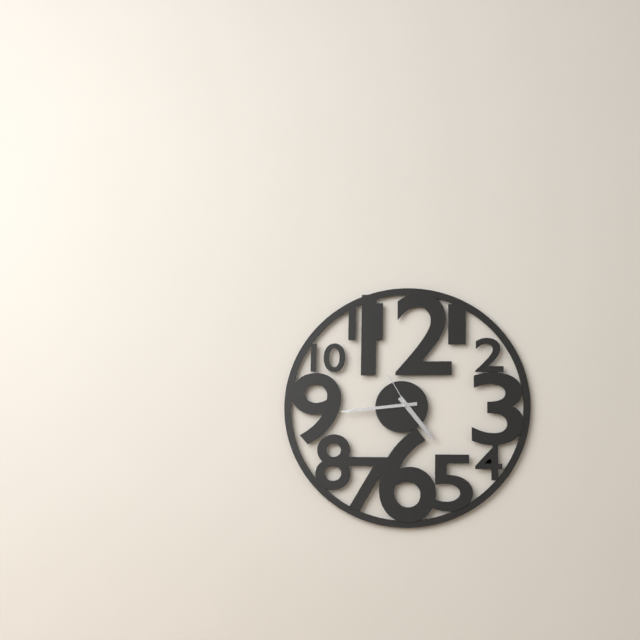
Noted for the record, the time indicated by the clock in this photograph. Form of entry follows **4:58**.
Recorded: **4:44**
